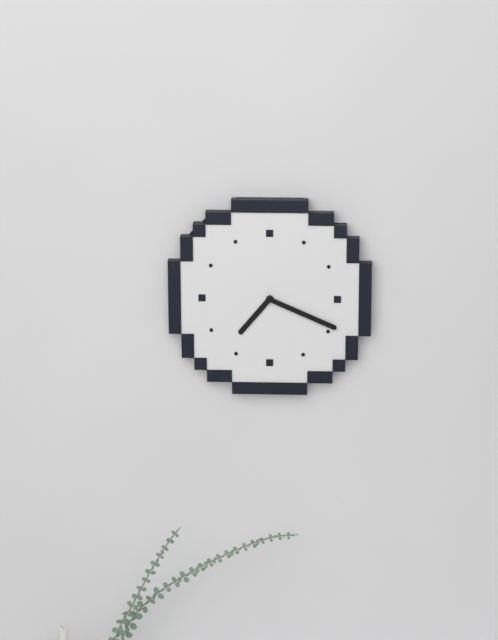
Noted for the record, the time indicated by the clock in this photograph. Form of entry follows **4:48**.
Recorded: **7:19**
